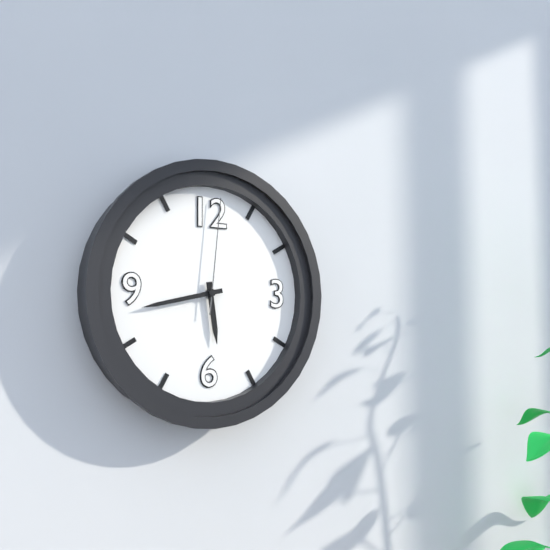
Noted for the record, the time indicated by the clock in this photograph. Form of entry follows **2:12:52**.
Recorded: **5:43:01**
